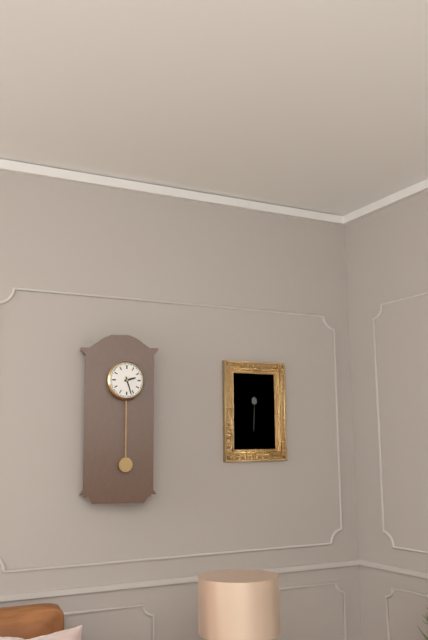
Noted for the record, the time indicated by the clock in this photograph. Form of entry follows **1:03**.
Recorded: **2:27**
